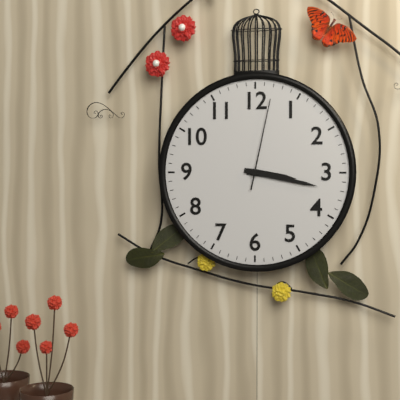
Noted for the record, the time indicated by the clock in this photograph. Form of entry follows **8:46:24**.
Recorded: **3:17:02**
